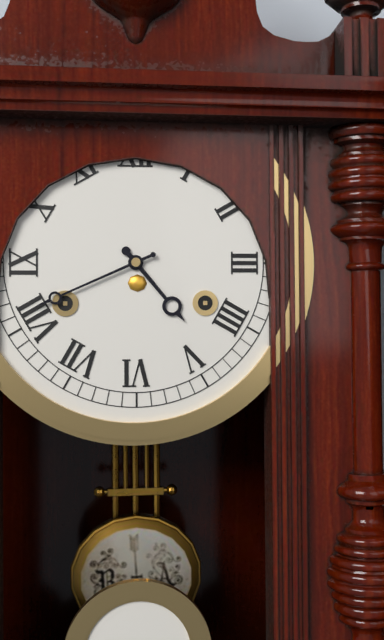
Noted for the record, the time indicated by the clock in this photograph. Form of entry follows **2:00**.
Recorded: **4:41**
